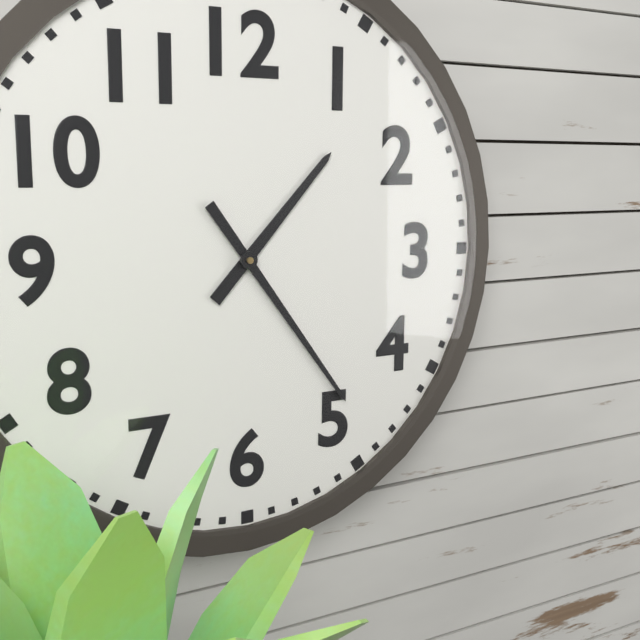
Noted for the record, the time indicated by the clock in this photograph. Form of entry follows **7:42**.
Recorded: **1:24**
